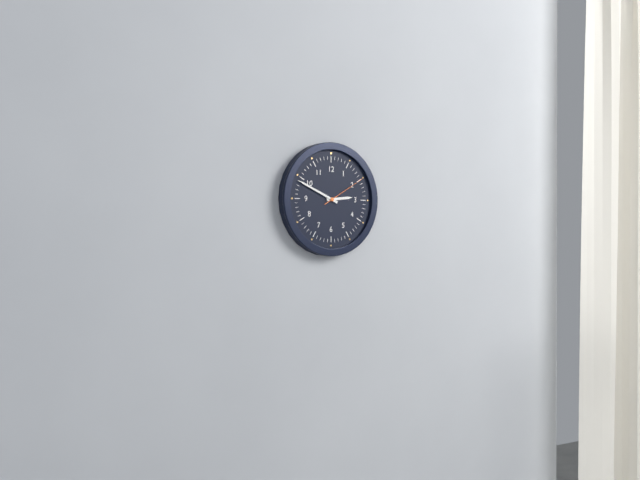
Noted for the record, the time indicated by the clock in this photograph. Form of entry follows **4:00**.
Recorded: **2:49**
